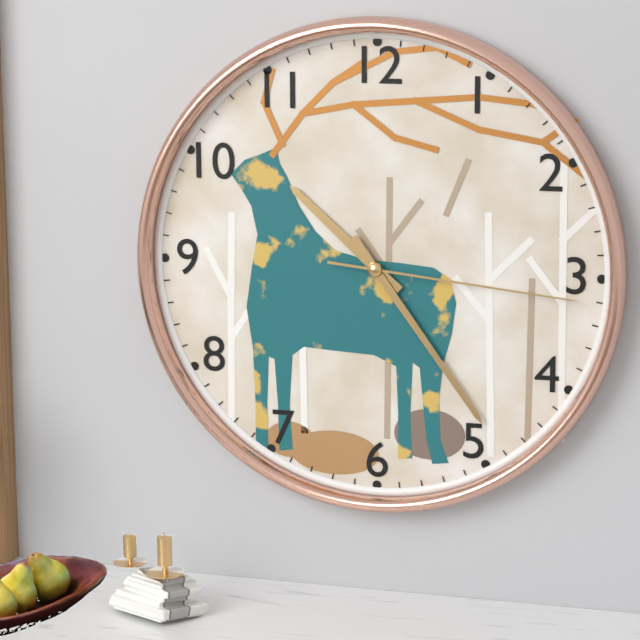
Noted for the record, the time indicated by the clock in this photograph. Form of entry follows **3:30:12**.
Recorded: **10:24:16**
